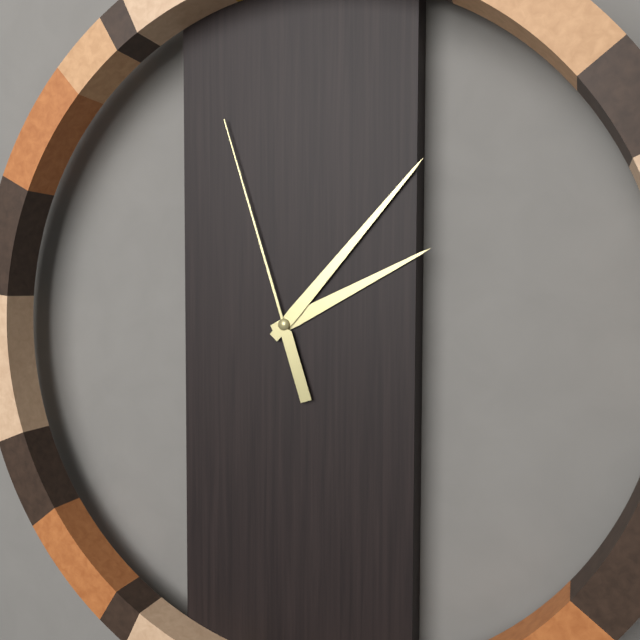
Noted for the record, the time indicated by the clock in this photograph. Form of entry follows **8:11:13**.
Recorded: **2:07:57**
